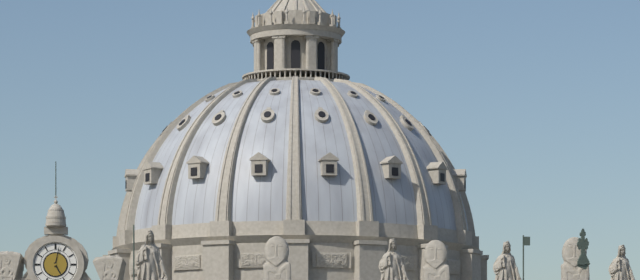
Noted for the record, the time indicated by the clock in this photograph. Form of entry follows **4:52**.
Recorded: **5:02**
